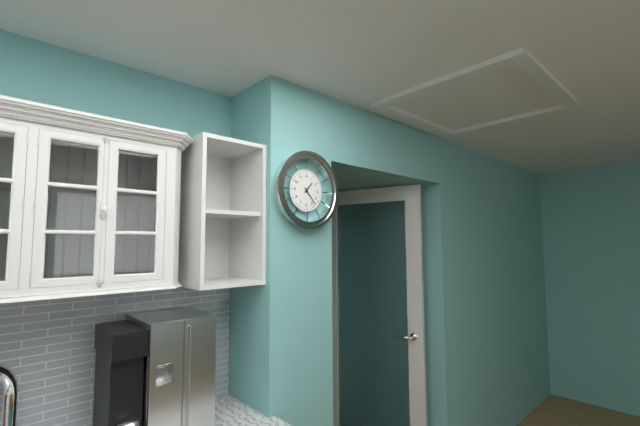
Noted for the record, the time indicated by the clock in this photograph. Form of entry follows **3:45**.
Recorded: **1:23**
